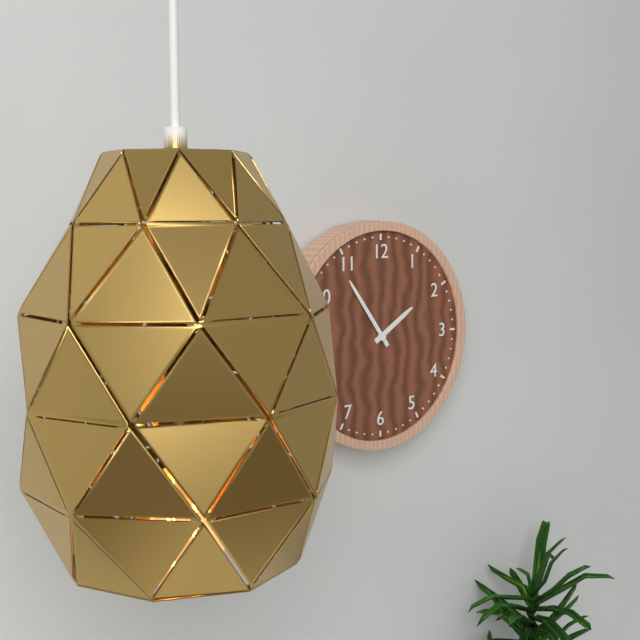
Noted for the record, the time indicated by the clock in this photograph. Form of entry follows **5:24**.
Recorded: **1:54**
